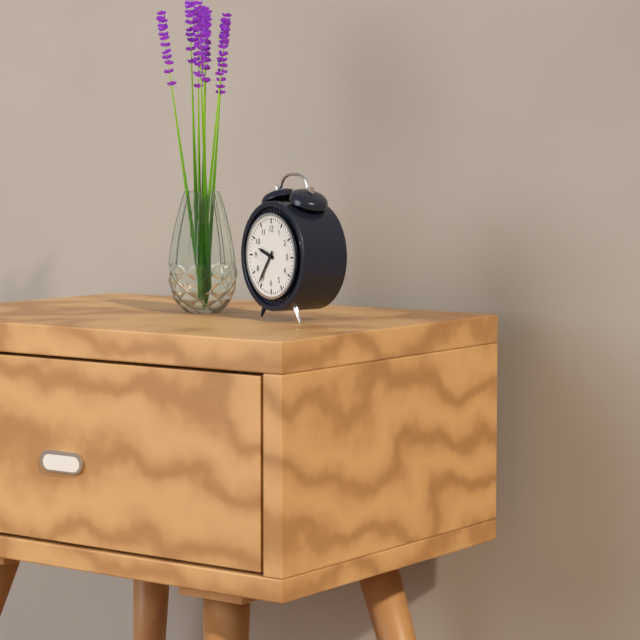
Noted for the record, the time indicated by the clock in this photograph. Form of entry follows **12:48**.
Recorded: **9:36**
